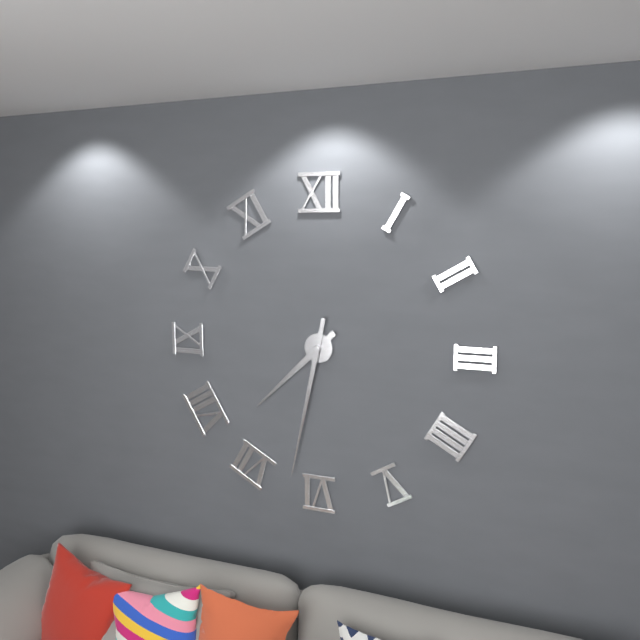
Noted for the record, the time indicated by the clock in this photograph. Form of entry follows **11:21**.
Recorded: **7:32**
